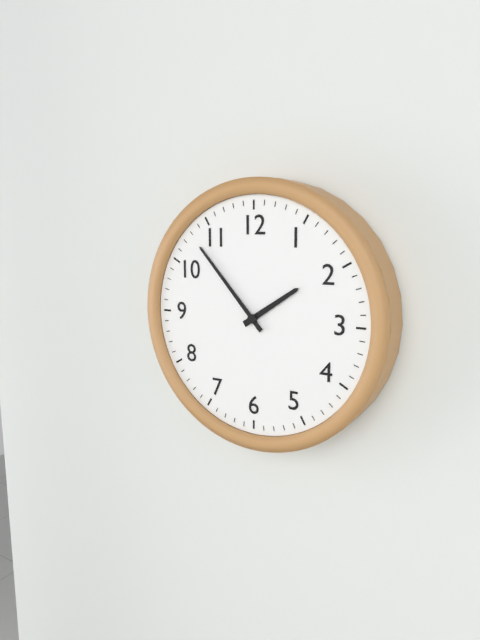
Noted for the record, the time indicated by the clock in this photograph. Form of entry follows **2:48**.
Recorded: **1:53**
